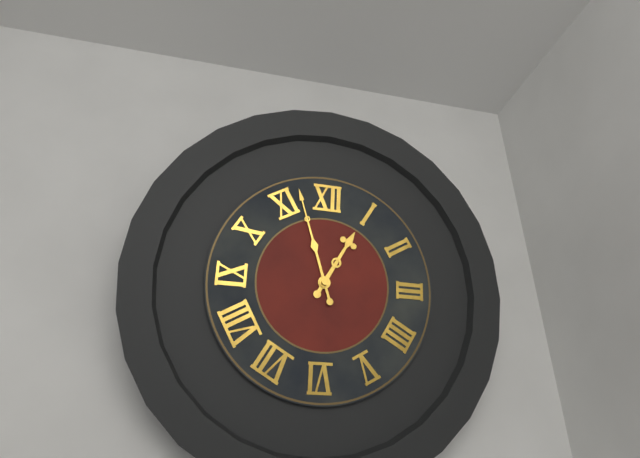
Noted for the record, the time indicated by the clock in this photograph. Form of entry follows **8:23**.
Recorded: **12:57**
